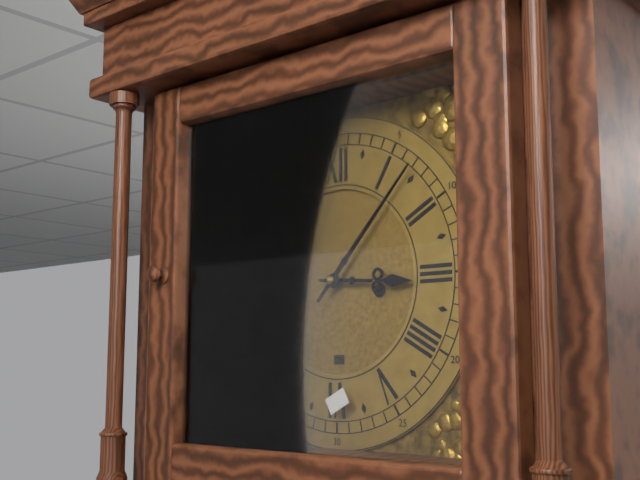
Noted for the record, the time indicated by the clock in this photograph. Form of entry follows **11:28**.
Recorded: **3:07**
